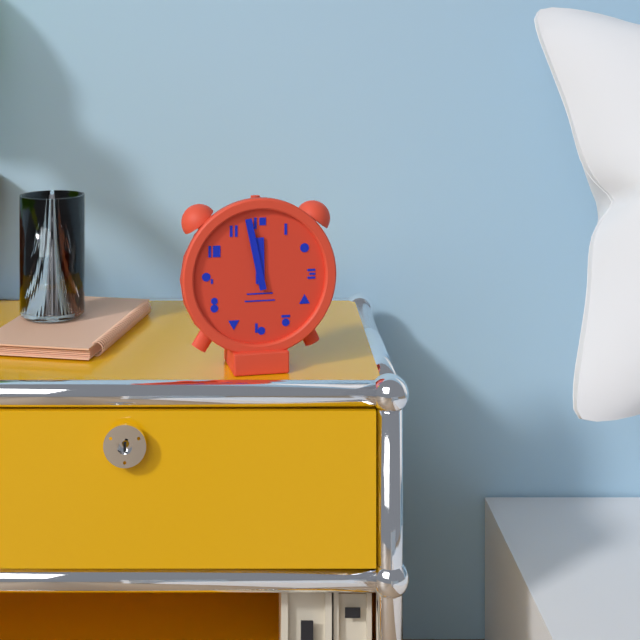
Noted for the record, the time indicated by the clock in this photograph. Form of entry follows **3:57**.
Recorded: **11:58**
